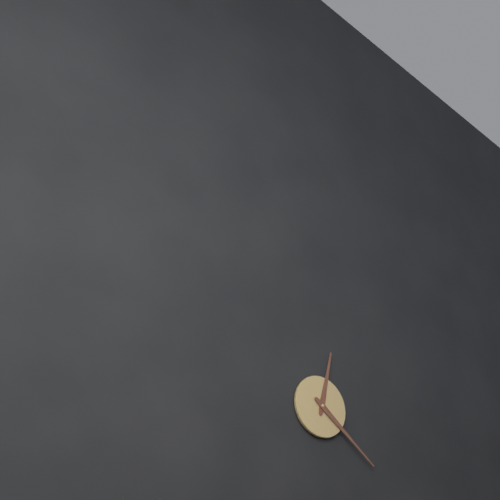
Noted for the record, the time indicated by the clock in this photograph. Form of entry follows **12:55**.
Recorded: **12:21**
